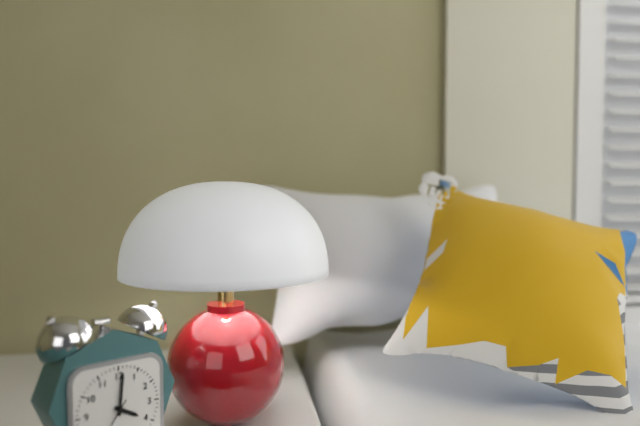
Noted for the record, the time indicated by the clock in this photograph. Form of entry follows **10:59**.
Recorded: **4:01**
